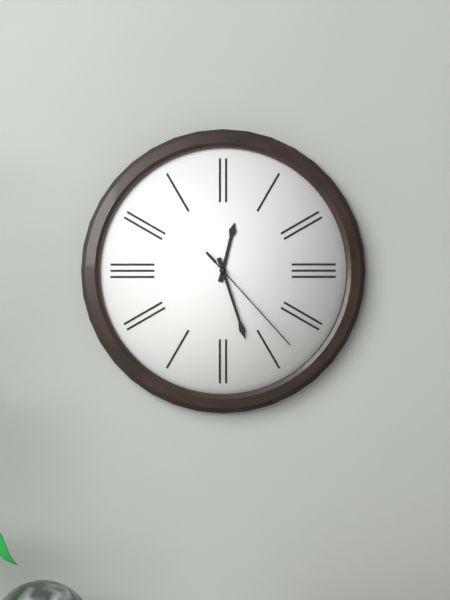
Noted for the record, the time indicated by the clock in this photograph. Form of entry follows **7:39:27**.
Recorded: **12:27:23**
